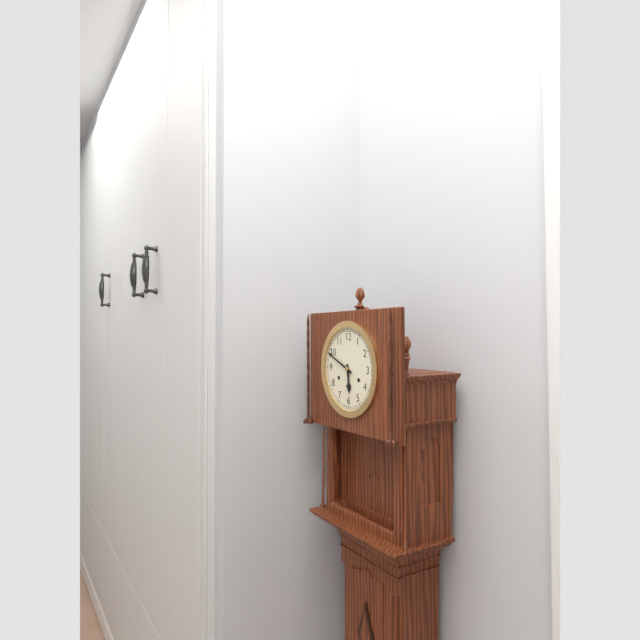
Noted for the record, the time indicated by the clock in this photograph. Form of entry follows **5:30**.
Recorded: **5:49**
